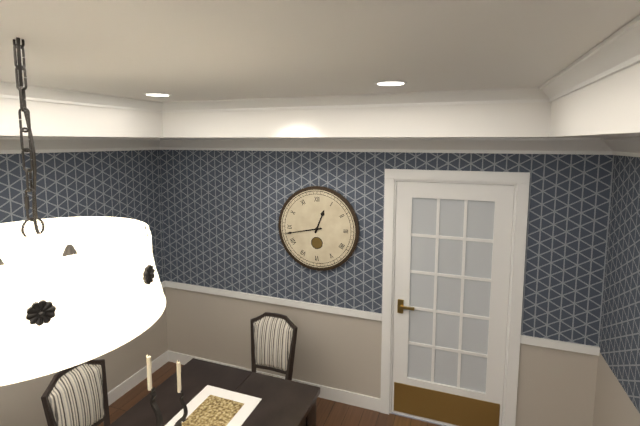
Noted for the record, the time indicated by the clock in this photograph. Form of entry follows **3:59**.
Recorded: **12:43**
